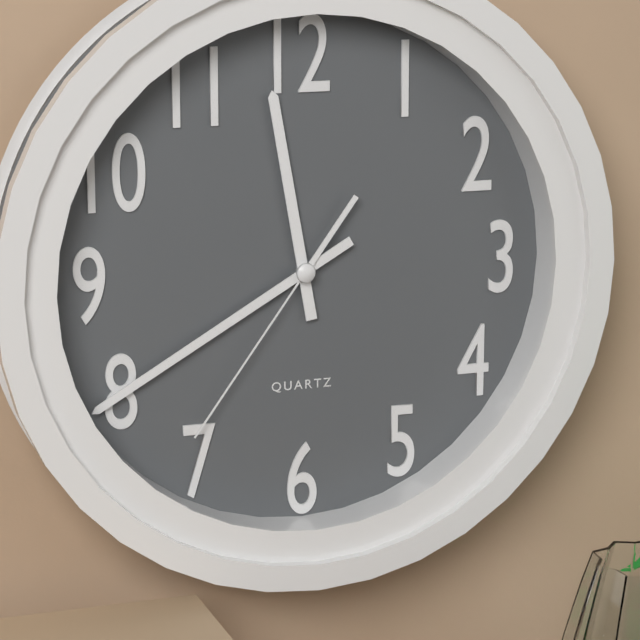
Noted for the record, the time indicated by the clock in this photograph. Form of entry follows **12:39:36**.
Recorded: **11:40:36**
